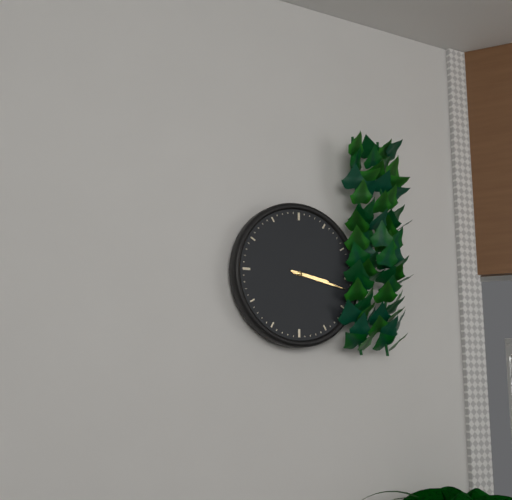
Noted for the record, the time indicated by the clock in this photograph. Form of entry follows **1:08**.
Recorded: **3:17**
